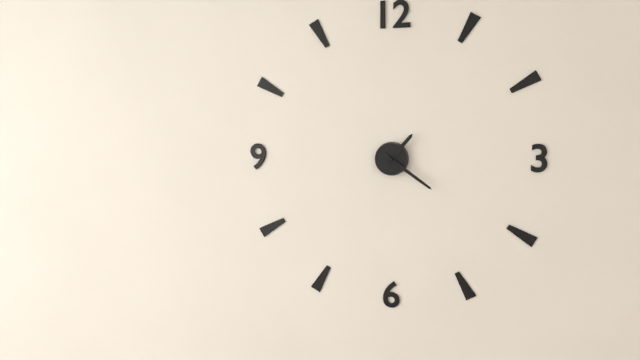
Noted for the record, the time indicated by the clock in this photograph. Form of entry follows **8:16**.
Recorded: **1:21**
